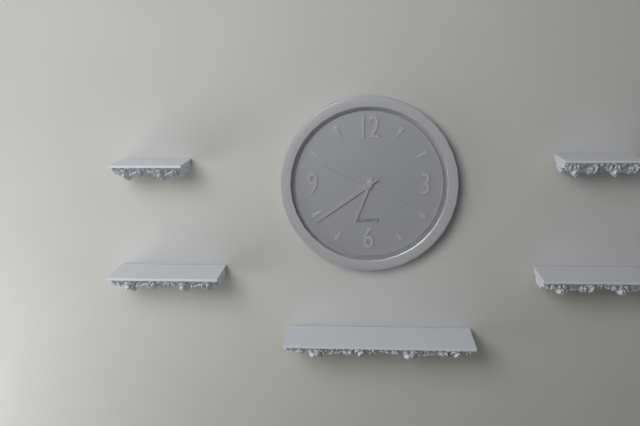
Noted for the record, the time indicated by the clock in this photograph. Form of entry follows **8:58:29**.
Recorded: **6:39:49**
